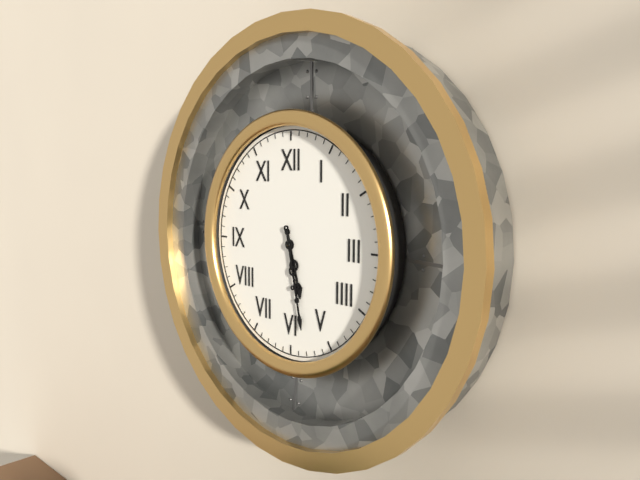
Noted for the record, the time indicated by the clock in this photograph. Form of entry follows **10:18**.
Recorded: **5:28**
